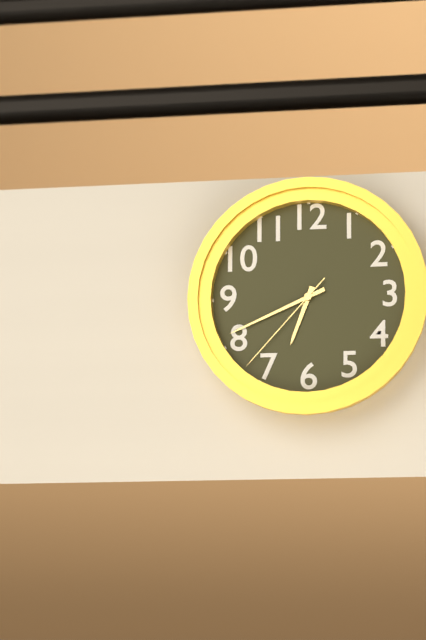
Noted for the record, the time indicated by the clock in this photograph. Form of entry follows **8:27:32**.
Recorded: **6:41:37**
